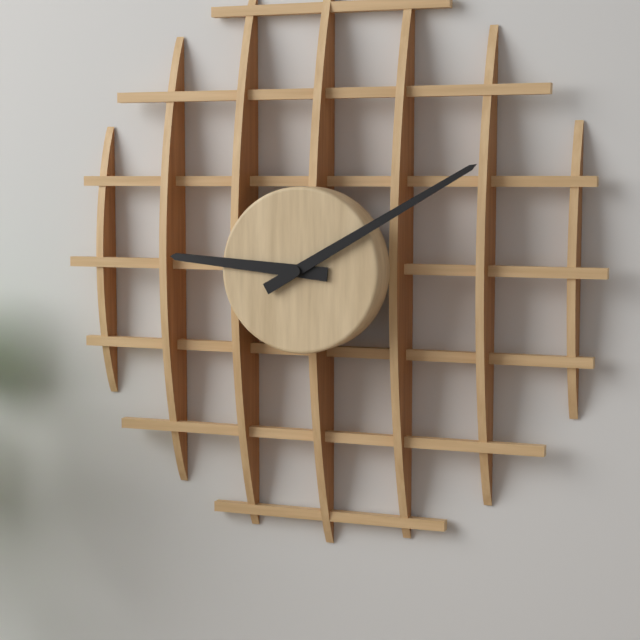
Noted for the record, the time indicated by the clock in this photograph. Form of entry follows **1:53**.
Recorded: **9:10**
